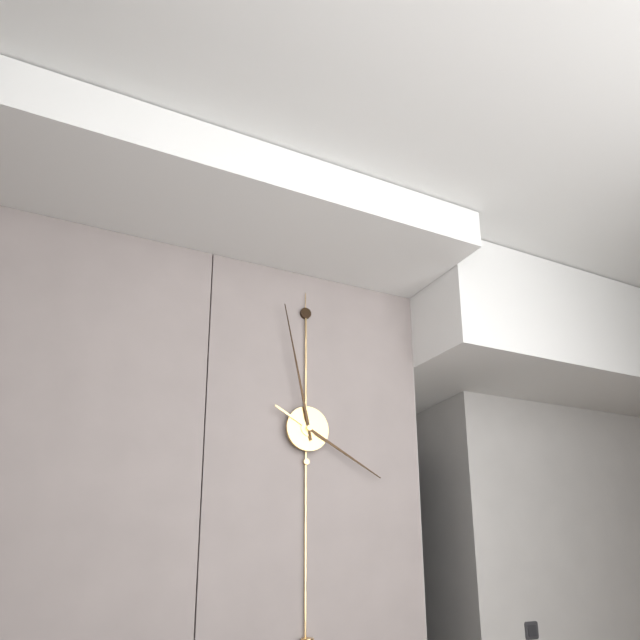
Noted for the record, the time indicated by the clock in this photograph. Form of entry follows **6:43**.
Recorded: **3:58**
